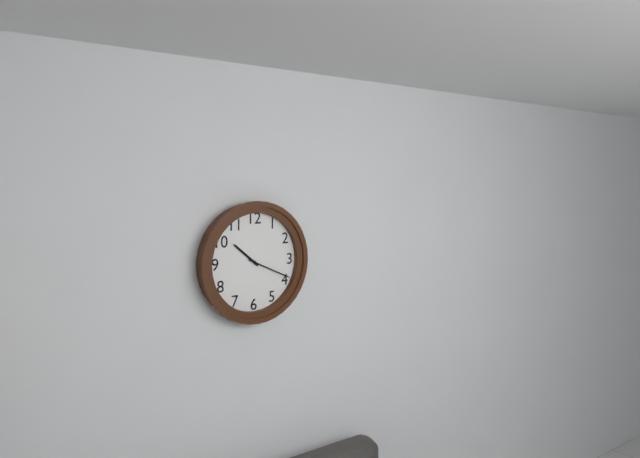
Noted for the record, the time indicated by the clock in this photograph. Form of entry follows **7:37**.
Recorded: **10:19**
